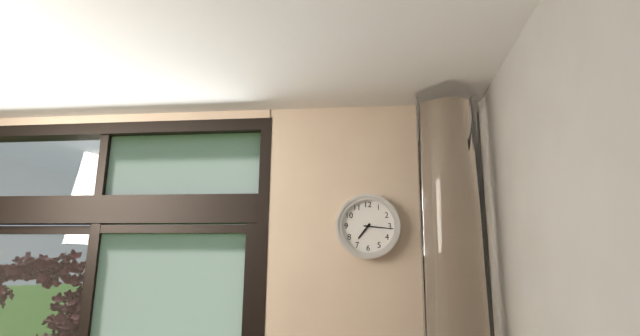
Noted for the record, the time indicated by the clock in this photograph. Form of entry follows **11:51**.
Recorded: **7:16**
